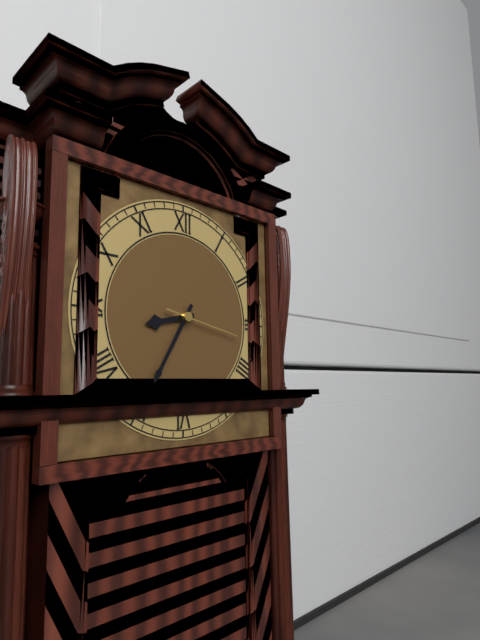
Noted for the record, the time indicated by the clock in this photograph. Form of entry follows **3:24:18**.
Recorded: **8:35:17**
